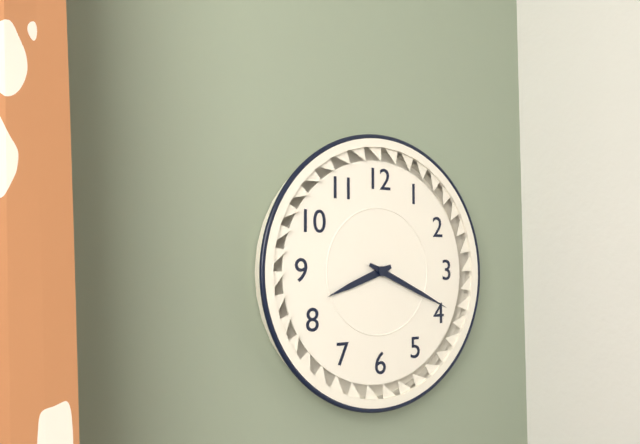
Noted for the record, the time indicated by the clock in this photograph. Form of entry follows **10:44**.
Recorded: **8:19**
